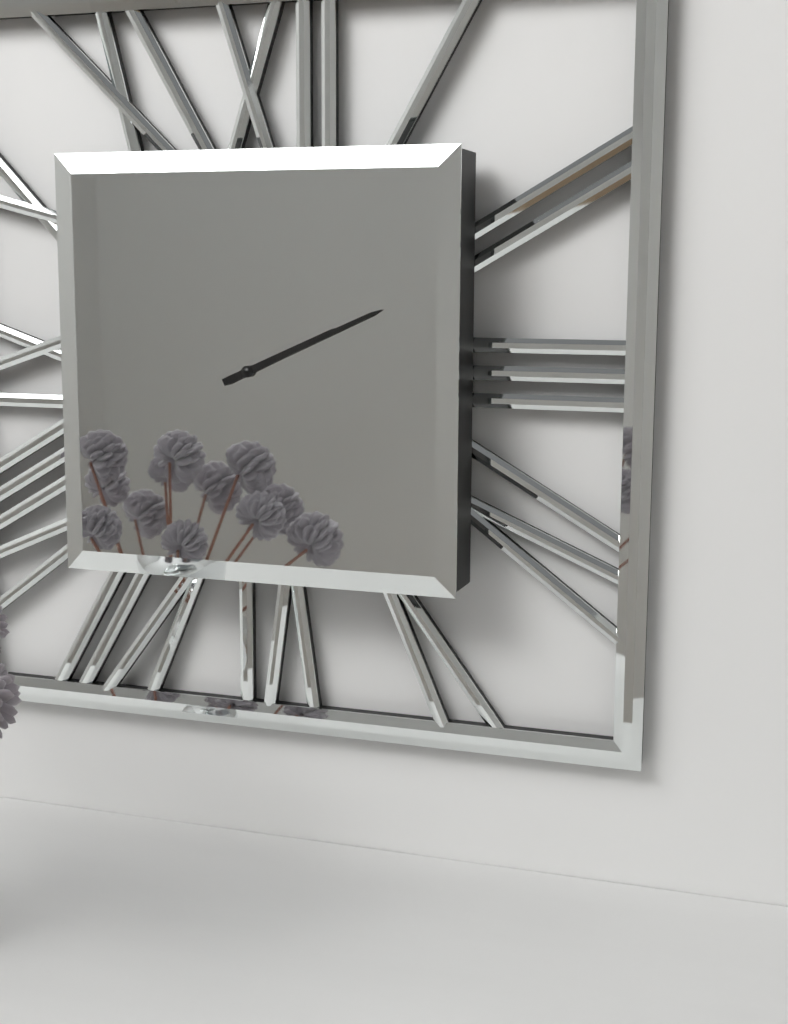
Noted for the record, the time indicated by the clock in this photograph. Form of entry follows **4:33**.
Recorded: **2:11**
